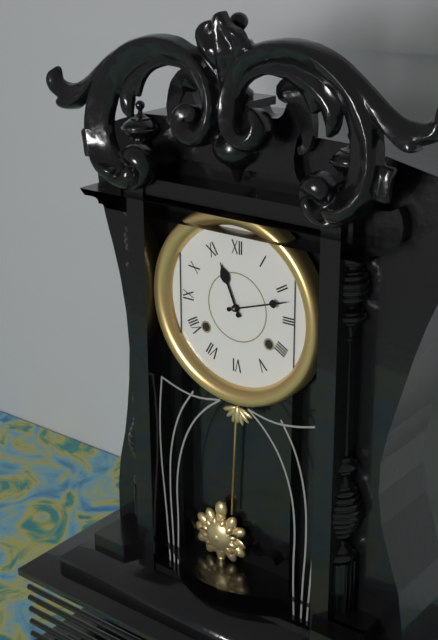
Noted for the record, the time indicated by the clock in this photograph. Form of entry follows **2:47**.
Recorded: **11:12**
